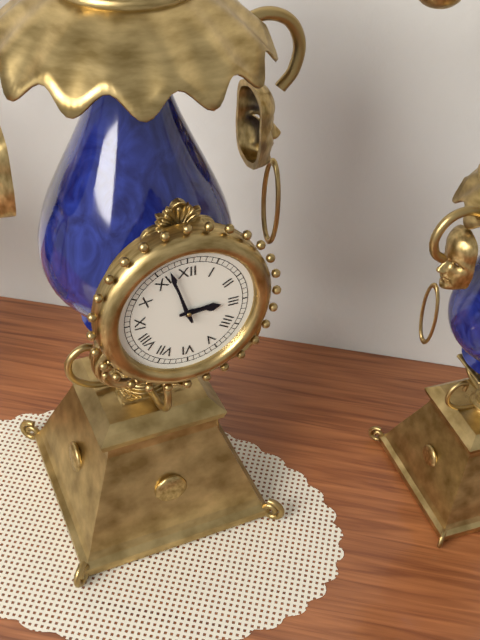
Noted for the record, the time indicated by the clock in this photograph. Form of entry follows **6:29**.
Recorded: **2:57**
